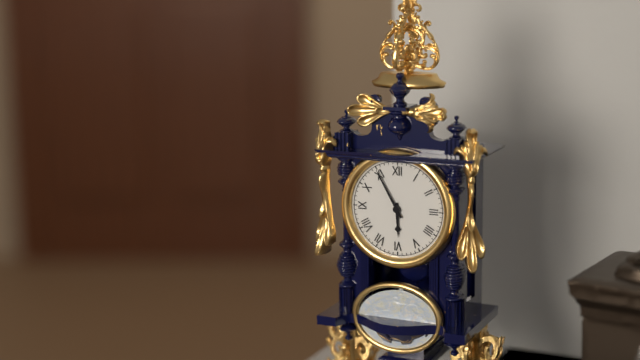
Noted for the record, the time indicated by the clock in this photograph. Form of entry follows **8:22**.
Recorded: **5:55**
